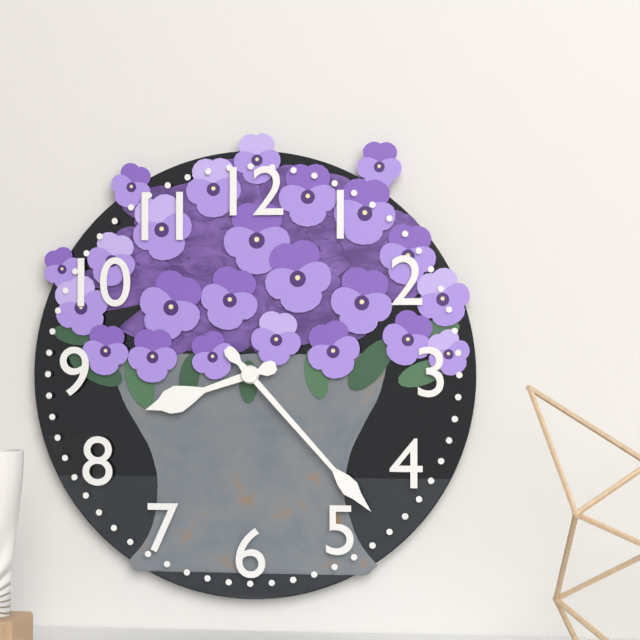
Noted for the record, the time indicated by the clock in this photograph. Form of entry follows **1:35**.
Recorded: **8:23**
